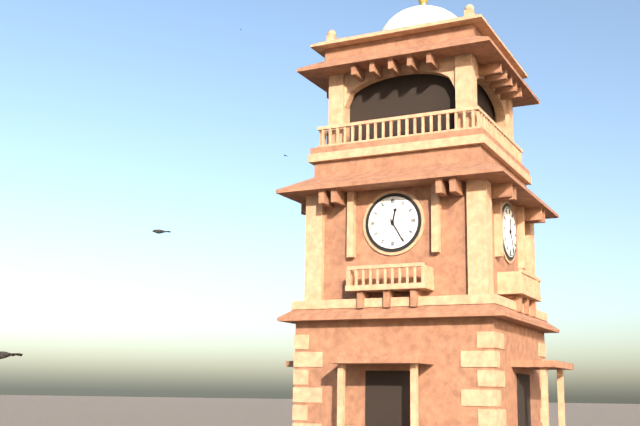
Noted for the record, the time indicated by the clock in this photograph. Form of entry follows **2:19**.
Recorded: **12:25**
